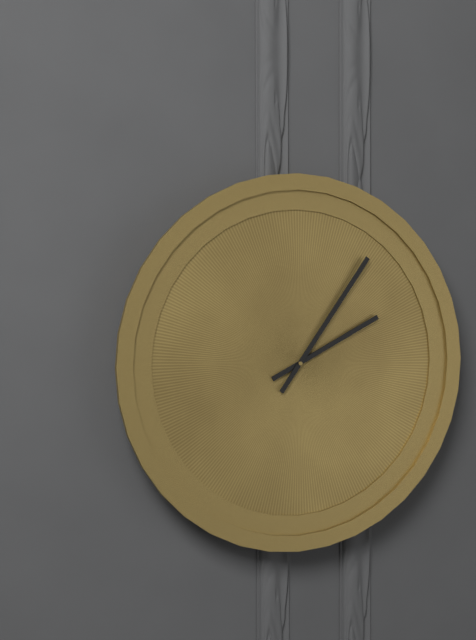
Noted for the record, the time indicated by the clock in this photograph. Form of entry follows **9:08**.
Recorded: **2:06**
